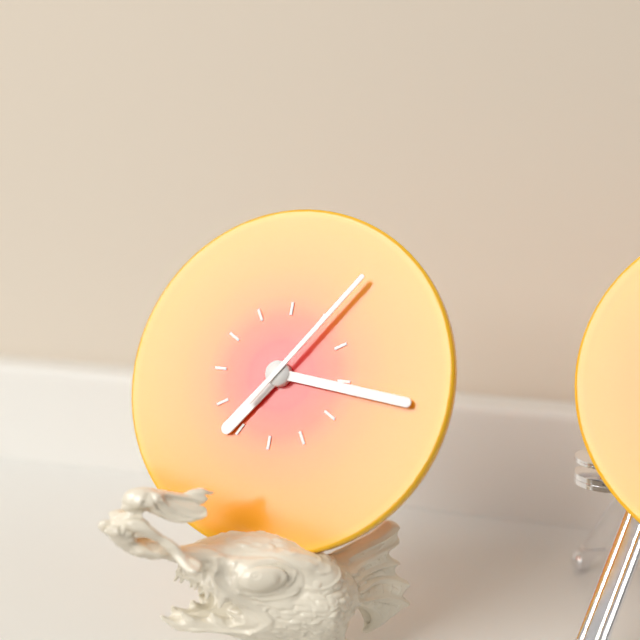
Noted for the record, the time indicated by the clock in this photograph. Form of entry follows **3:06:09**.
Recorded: **7:16:06**
